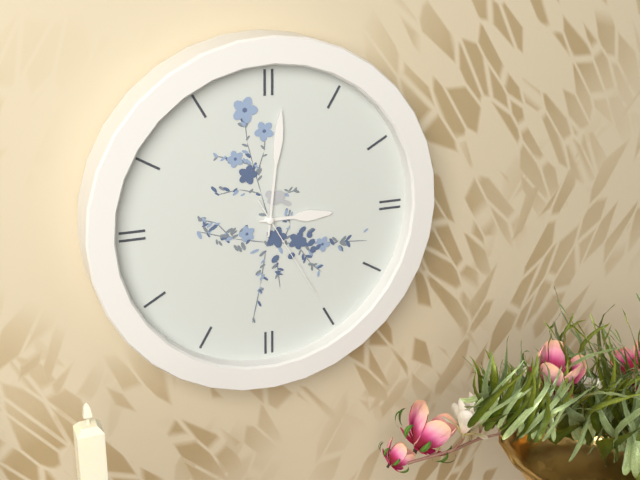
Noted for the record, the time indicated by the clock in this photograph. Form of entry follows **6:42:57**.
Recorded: **3:01:25**
